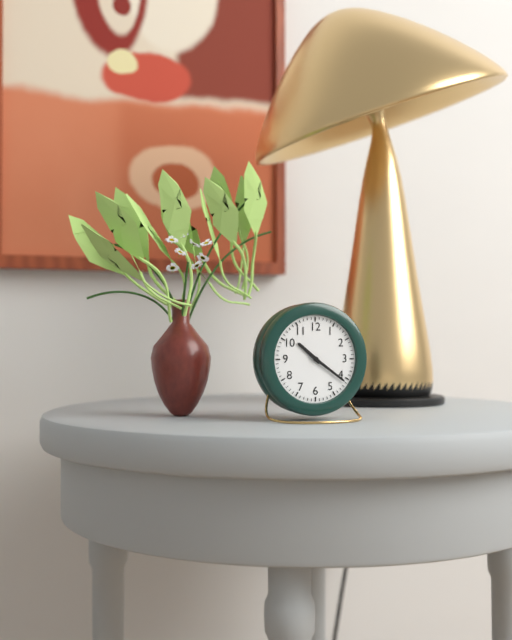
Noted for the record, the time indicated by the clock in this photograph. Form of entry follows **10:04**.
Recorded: **10:21**
